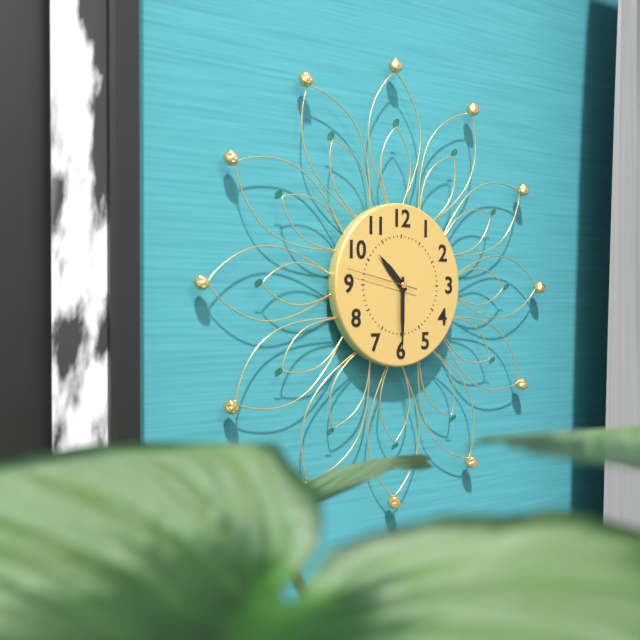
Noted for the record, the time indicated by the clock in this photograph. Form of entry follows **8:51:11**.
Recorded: **10:30:47**
